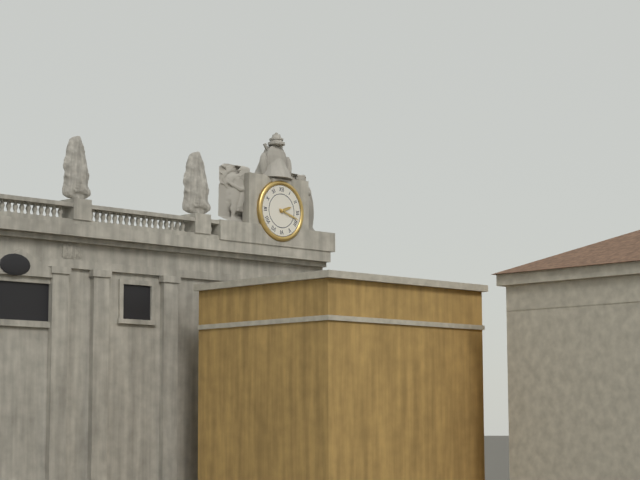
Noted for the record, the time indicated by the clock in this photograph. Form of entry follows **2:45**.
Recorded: **2:18**
